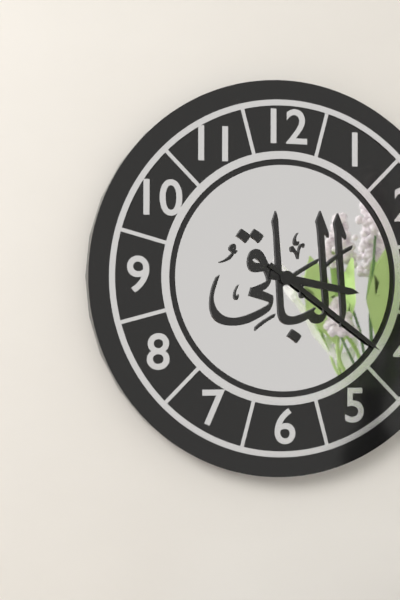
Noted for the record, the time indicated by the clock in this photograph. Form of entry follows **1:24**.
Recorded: **3:21**
